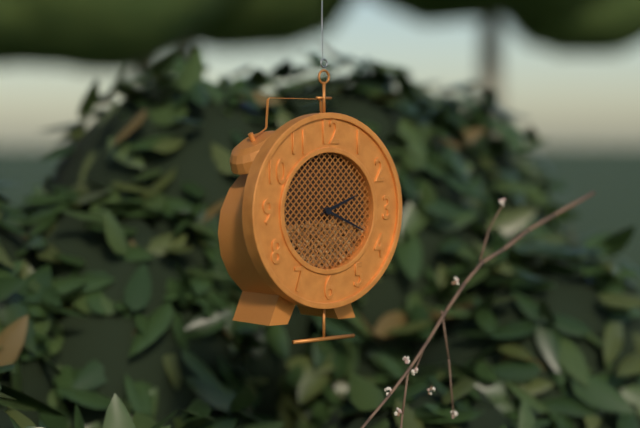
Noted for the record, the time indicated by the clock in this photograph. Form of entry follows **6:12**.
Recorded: **2:19**
